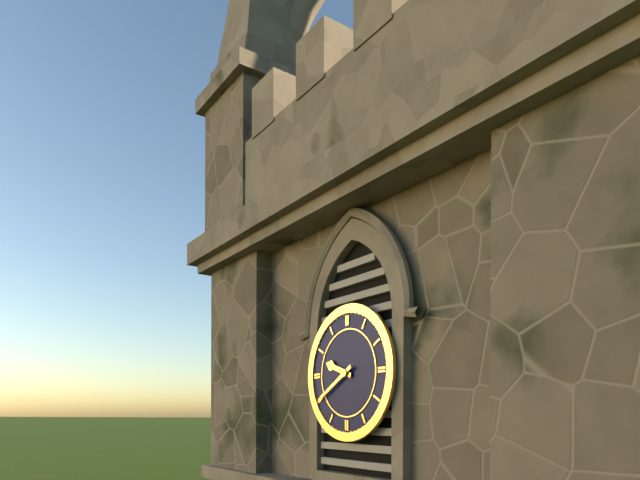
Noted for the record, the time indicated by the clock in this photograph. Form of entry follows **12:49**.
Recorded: **9:40**
